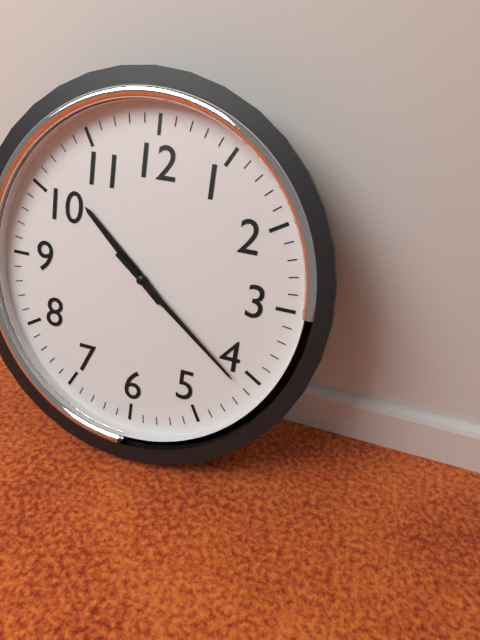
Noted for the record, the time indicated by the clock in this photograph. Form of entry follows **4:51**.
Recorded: **10:21**
